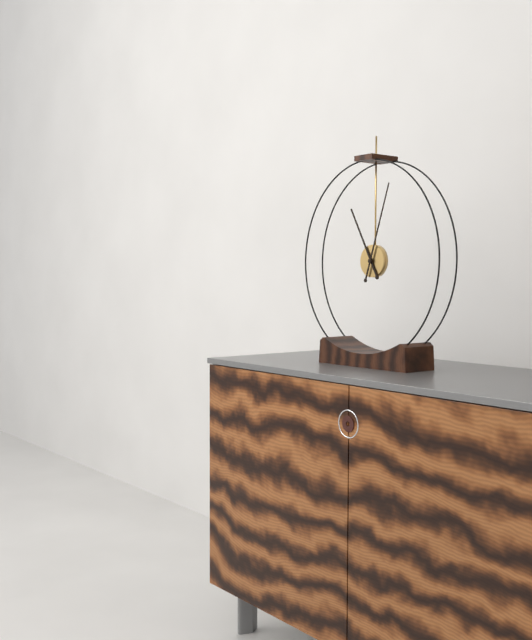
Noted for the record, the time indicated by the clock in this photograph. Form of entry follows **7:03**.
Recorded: **11:03**
